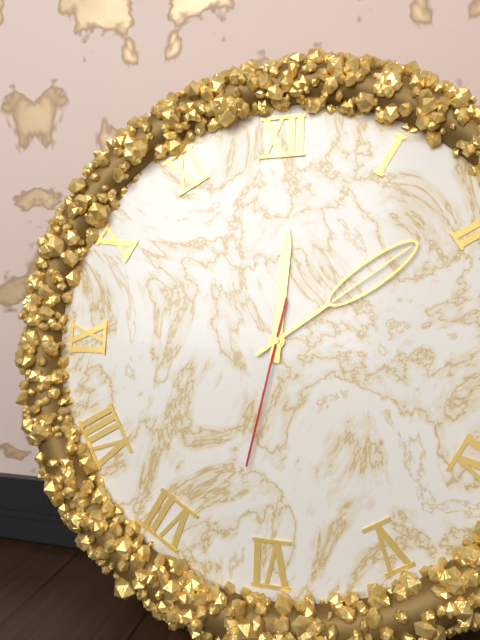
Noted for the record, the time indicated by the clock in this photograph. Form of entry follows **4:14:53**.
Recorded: **12:09:32**
